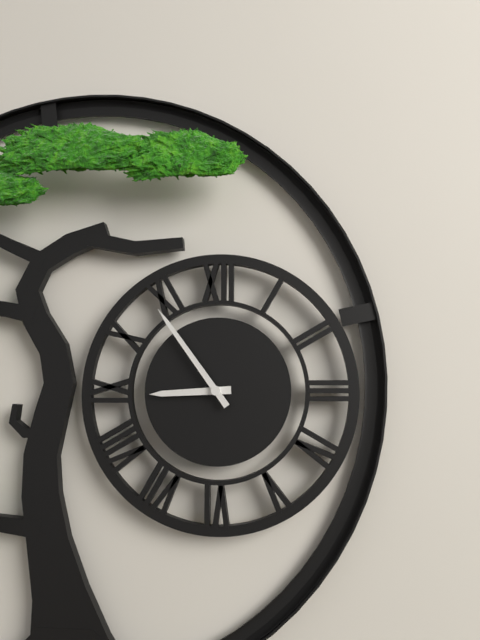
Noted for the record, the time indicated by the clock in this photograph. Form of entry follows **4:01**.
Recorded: **8:54**
